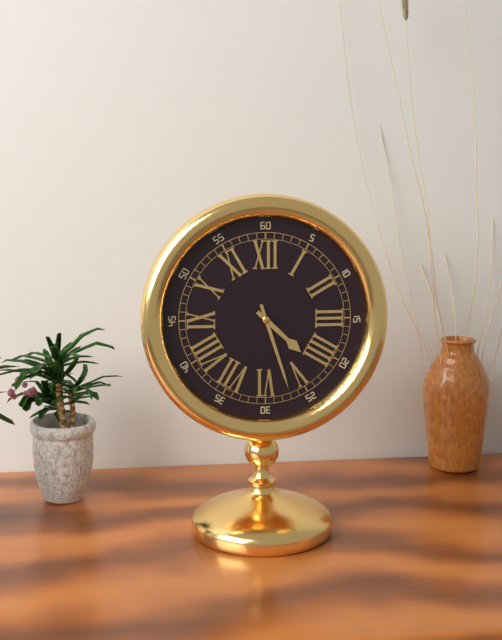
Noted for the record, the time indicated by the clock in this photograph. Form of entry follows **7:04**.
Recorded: **4:27**
